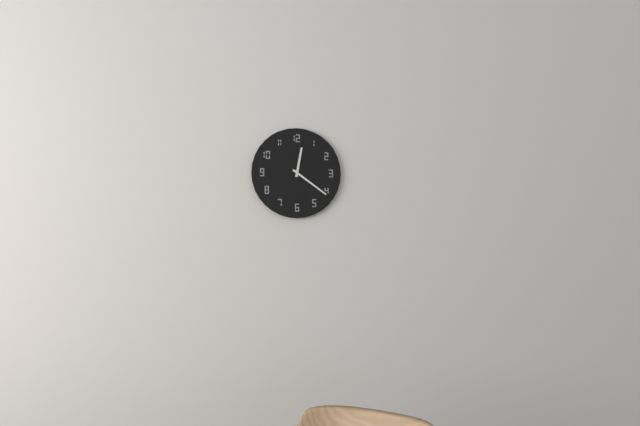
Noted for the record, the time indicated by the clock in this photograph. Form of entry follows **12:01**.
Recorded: **12:21**
